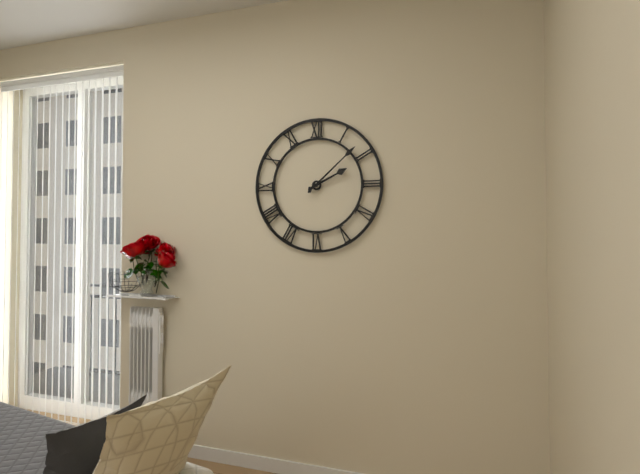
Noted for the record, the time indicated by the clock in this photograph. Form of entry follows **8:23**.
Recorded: **2:08**
